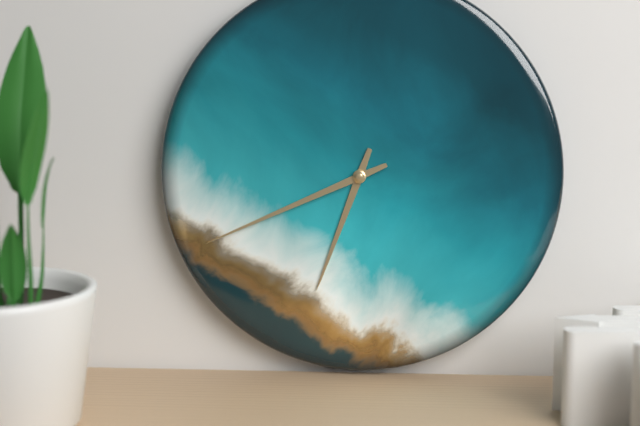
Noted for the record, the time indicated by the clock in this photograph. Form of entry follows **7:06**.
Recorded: **6:41**
